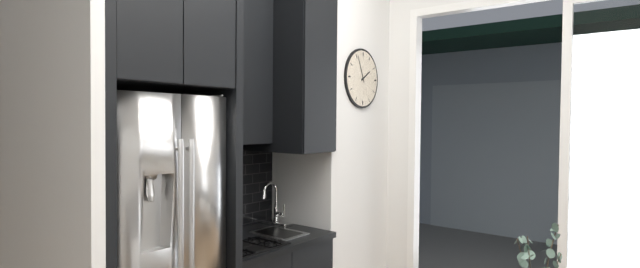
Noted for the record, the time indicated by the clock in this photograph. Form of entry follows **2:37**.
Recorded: **1:56**
